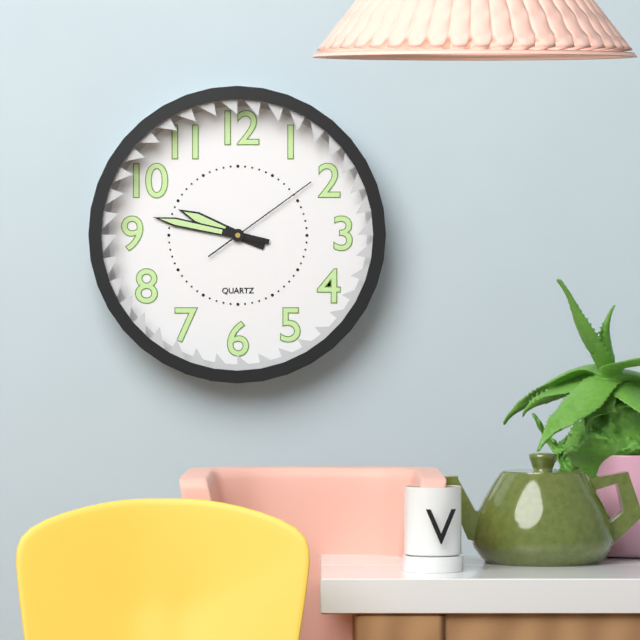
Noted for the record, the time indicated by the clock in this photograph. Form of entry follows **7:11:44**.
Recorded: **9:47:09**
